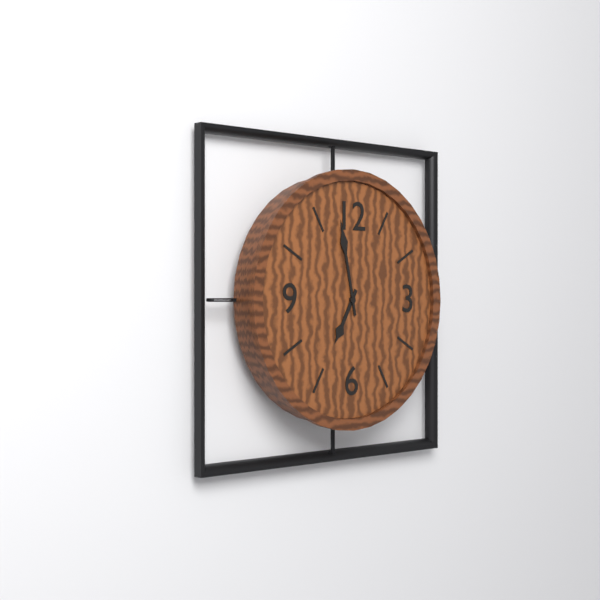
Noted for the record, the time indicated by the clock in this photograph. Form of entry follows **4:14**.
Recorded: **6:58**
